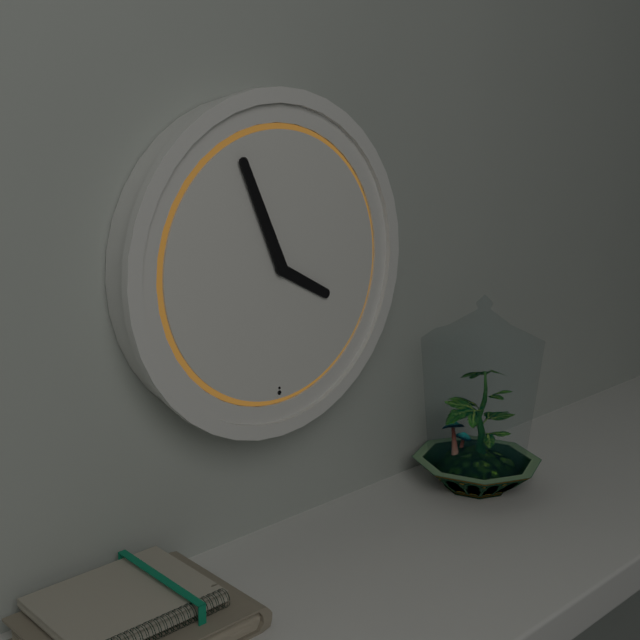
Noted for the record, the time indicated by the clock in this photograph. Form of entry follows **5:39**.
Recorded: **3:56**
